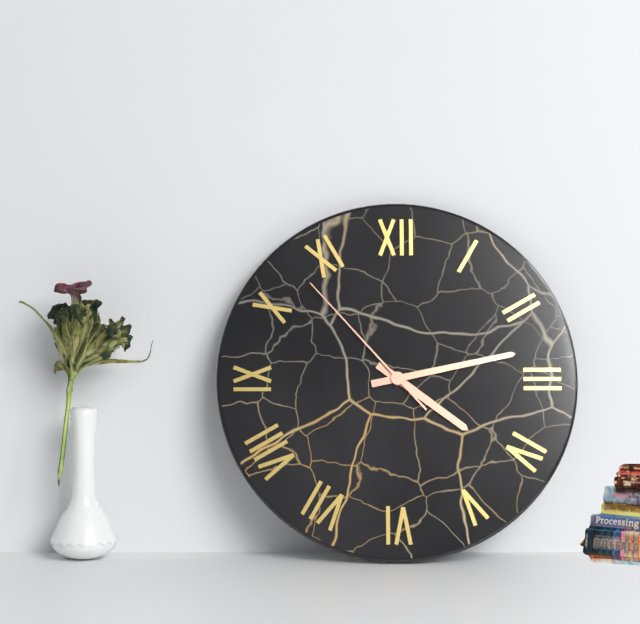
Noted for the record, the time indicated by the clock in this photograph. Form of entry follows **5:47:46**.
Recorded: **4:13:53**
